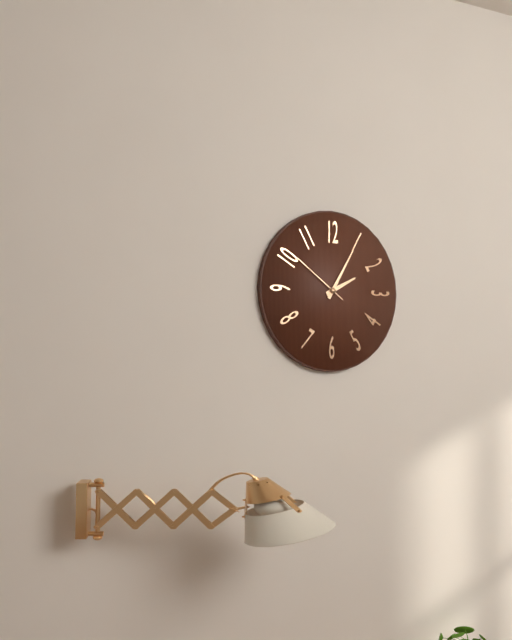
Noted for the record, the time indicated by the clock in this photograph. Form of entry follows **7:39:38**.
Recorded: **2:05:51**
